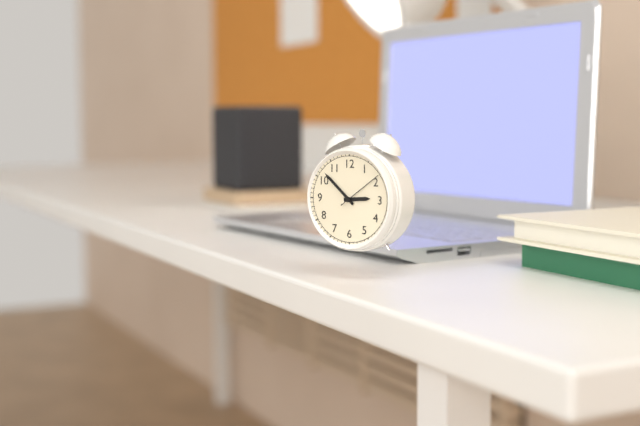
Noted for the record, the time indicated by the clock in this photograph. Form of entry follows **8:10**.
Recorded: **2:52**
